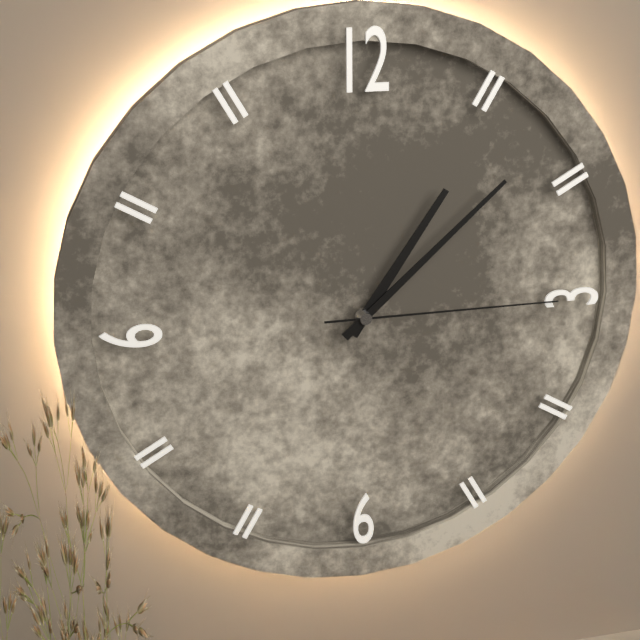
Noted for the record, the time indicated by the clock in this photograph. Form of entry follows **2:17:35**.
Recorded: **1:08:15**
